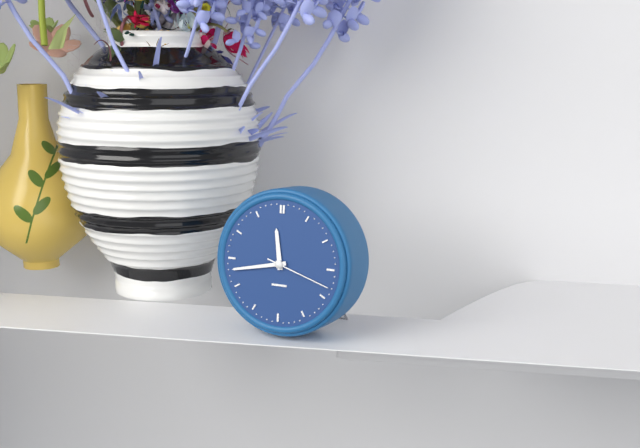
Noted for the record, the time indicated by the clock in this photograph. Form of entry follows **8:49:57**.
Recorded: **11:43:18**
